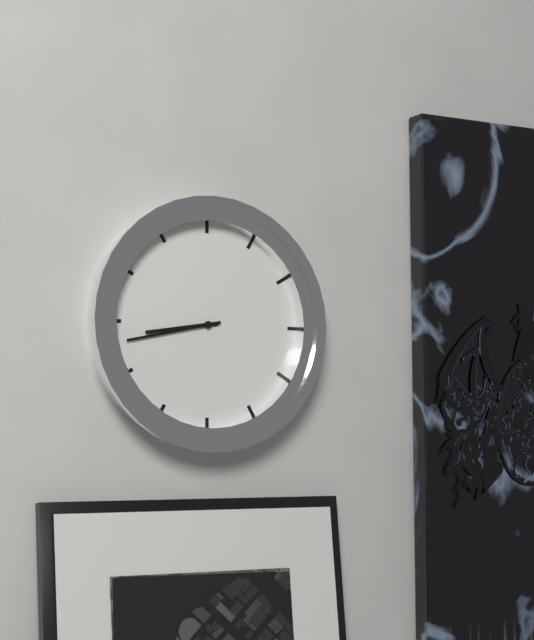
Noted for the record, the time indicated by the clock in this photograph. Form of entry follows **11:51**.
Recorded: **8:43**
